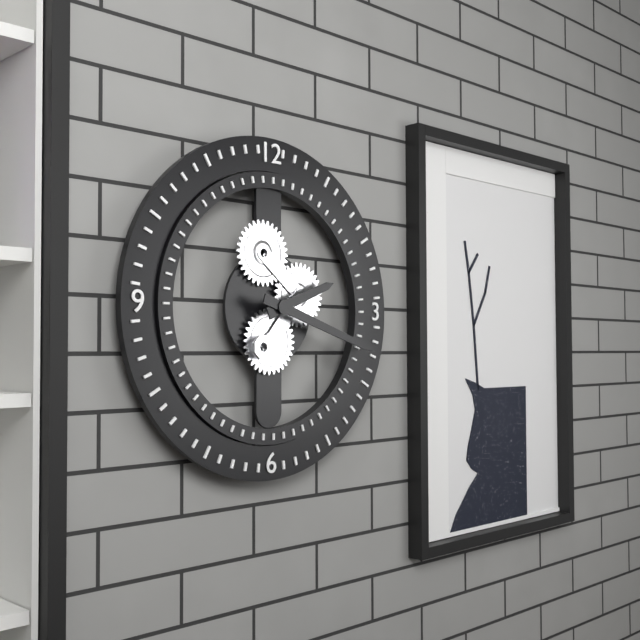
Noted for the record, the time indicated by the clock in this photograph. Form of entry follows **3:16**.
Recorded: **2:18**
